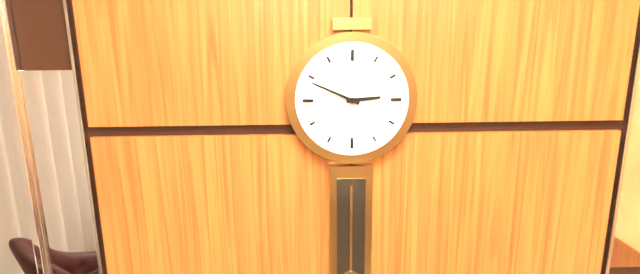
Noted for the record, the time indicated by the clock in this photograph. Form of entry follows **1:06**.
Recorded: **2:49**
